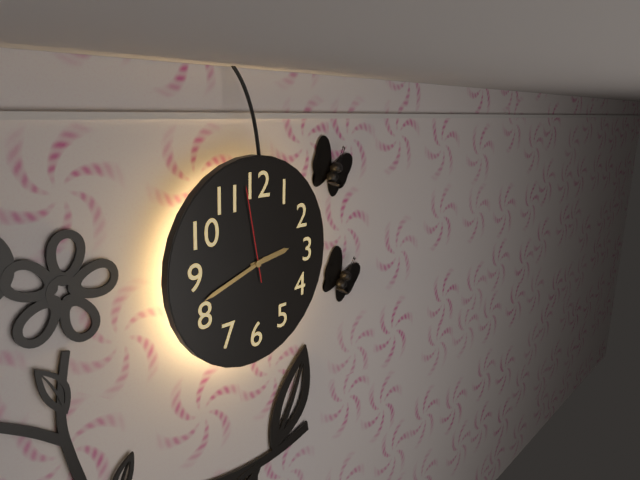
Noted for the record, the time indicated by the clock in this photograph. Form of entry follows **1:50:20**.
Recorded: **2:42:58**
